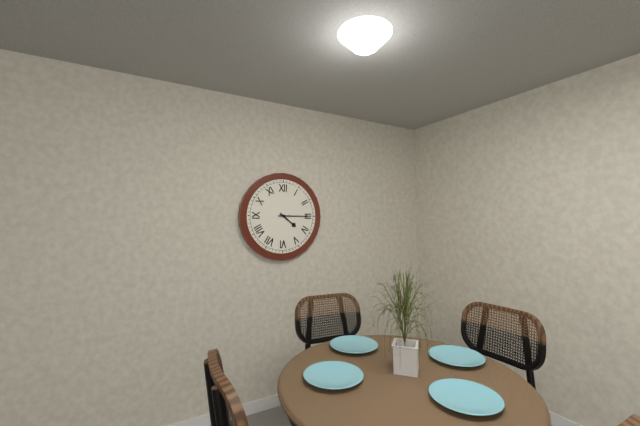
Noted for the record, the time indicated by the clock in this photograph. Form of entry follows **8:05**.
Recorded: **4:15**
